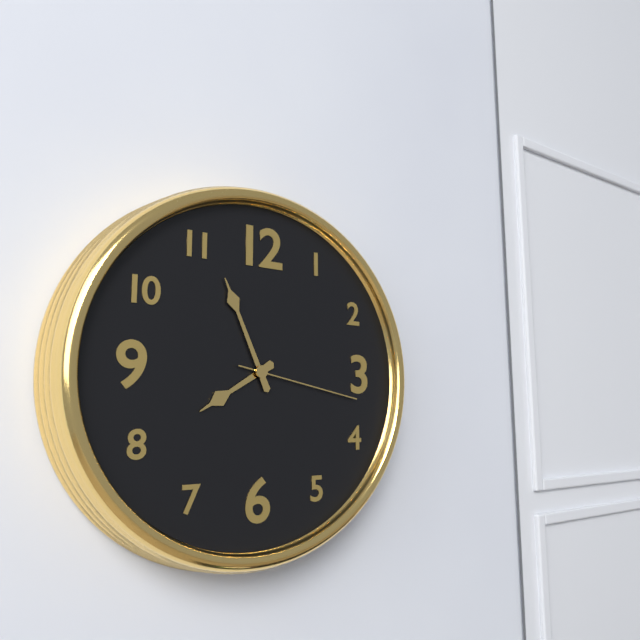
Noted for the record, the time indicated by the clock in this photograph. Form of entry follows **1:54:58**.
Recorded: **7:56:17**
